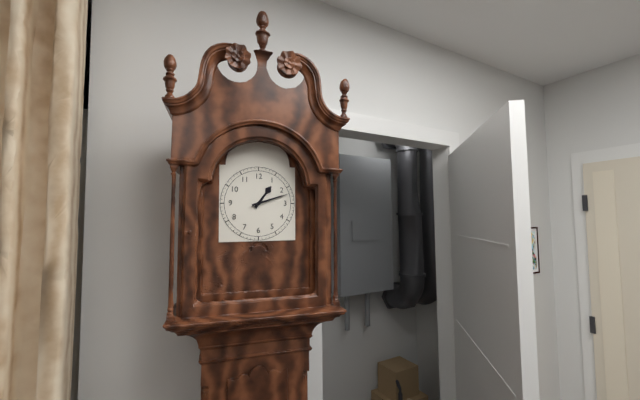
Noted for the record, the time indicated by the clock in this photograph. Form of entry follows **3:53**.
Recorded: **1:12**
